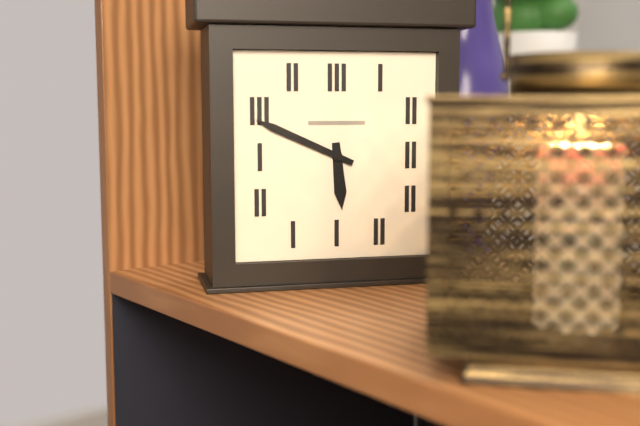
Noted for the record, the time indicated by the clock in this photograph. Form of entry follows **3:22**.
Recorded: **5:49**
